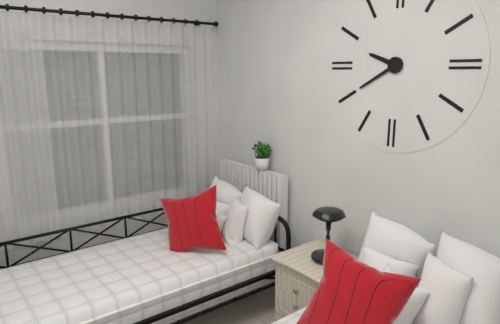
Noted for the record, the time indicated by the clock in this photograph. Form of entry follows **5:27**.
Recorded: **9:40**
